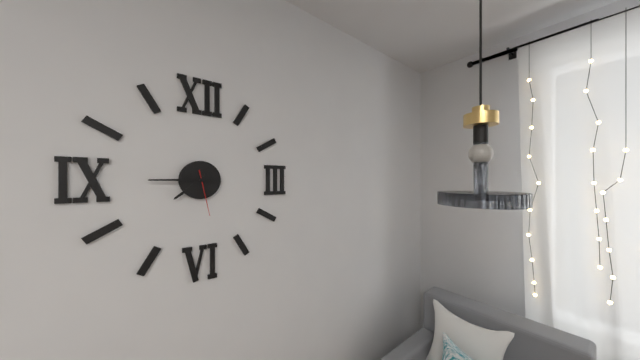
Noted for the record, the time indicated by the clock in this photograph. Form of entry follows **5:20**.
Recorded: **7:45**
